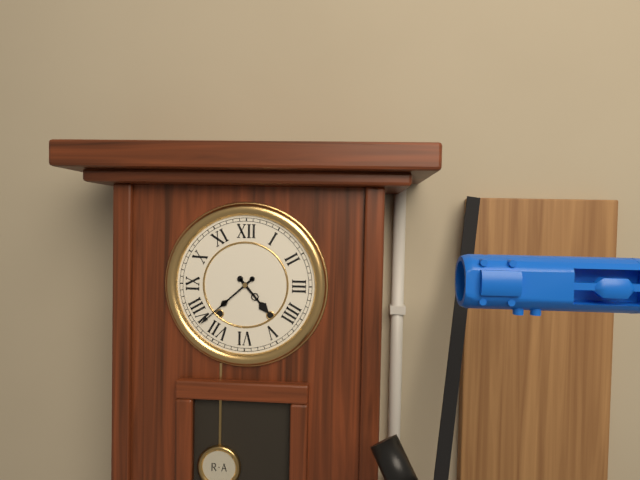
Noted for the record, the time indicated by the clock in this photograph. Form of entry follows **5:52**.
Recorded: **4:38**
